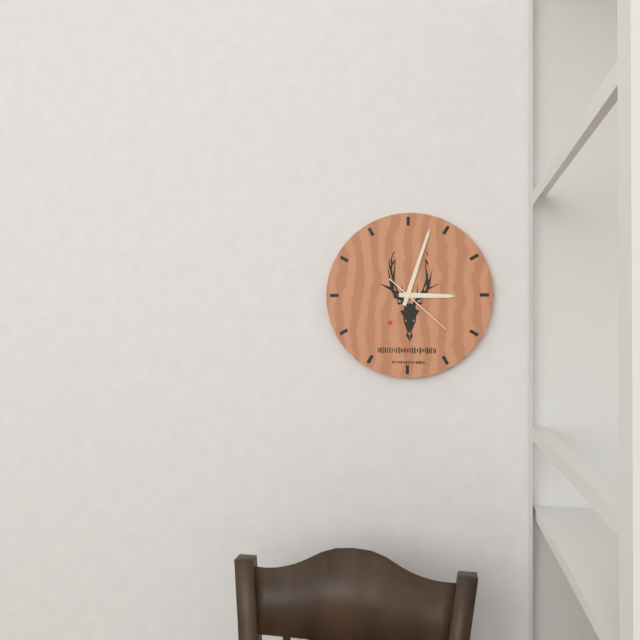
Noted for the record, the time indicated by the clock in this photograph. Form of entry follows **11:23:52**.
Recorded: **3:03:22**
